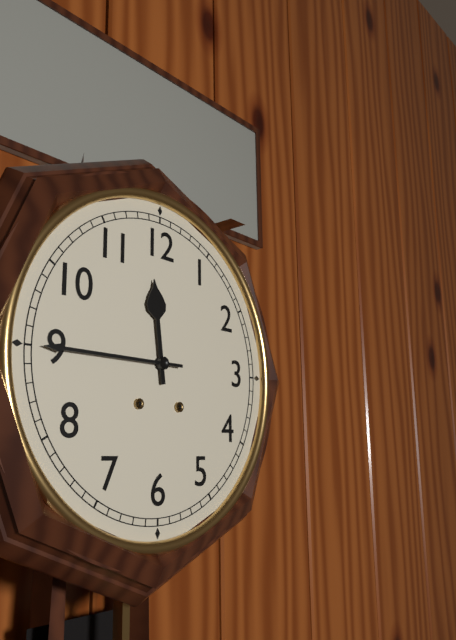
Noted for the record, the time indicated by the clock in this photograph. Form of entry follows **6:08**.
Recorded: **11:45**
